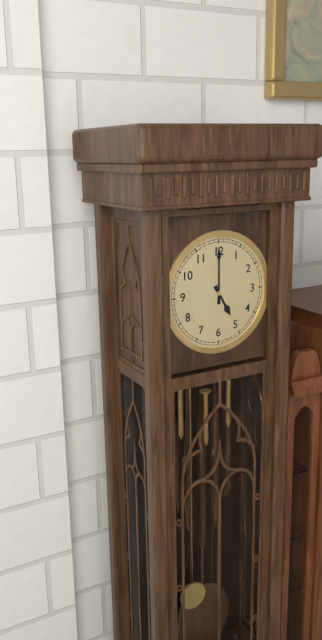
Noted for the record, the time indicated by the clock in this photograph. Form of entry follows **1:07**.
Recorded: **5:00**
